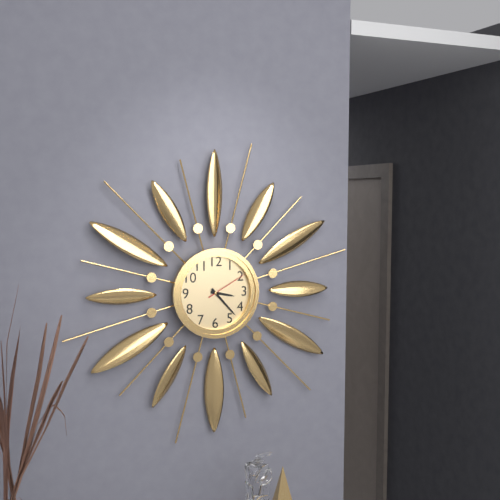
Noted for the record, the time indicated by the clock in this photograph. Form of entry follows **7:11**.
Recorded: **3:23**
